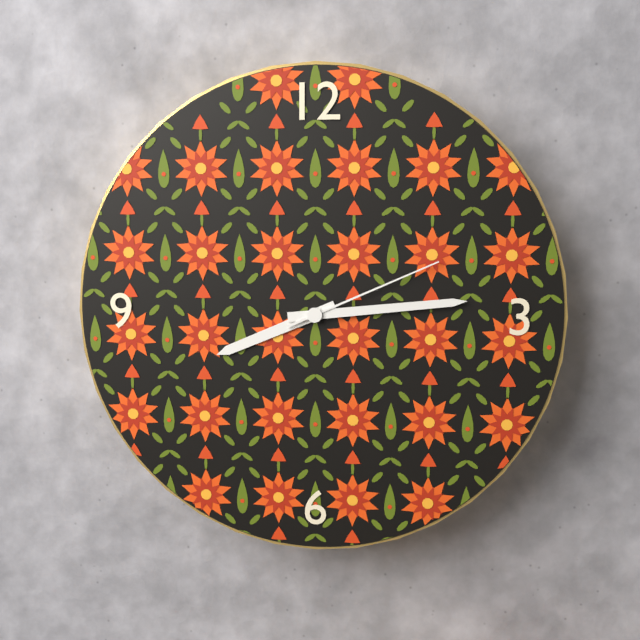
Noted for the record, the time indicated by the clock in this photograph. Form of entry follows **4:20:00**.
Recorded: **8:14:11**
